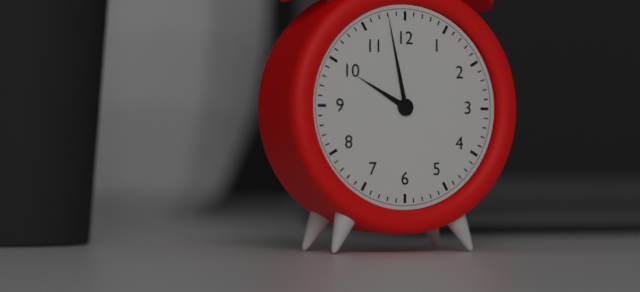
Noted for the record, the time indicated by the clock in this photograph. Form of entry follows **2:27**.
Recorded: **9:58**
